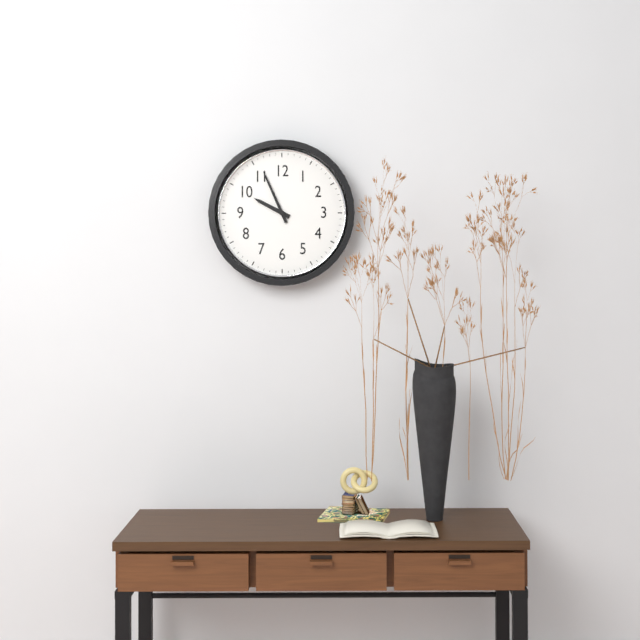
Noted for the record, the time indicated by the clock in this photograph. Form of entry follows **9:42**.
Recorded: **9:56**
